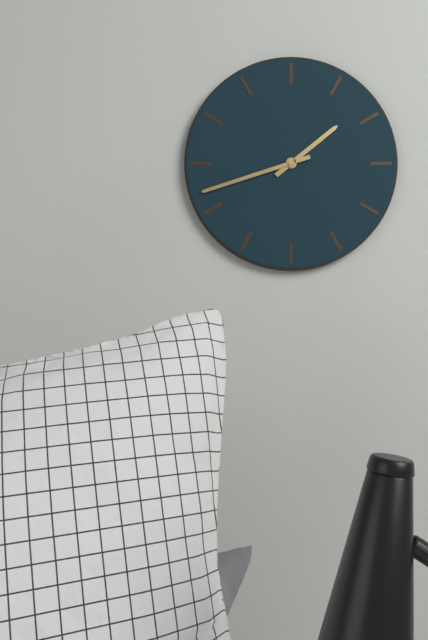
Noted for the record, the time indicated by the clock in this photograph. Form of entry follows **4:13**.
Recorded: **1:42**
